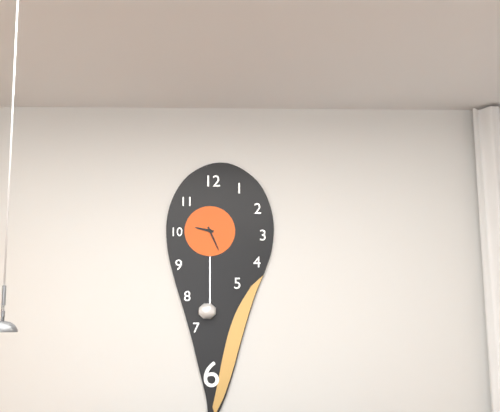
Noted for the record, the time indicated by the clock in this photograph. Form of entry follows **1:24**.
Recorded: **9:26**
